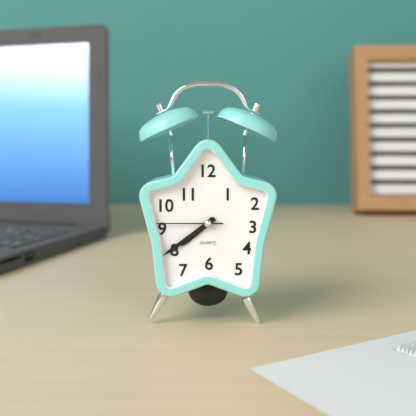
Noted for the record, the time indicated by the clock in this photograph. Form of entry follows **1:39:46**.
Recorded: **7:39:45**
